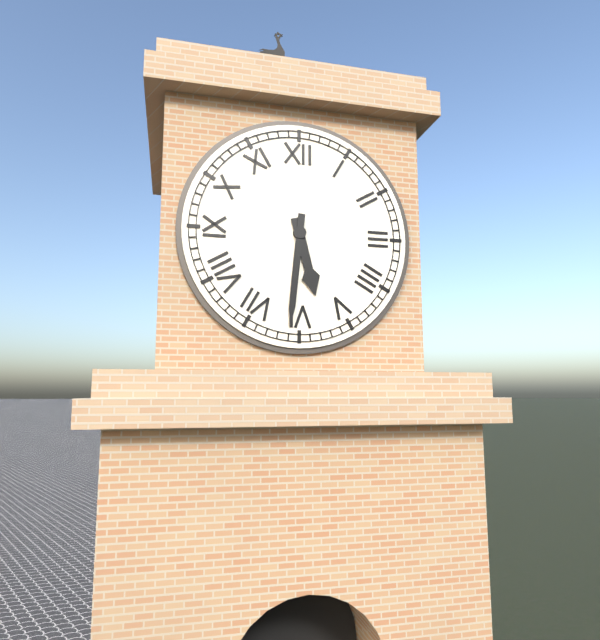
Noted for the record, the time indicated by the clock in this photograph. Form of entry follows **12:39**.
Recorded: **5:31**
